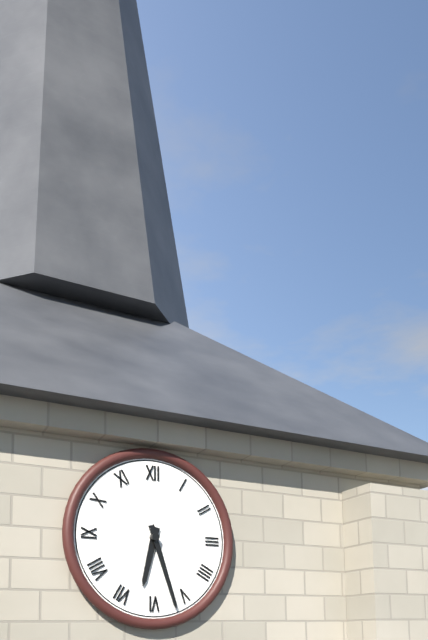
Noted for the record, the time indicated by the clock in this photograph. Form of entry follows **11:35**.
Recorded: **6:27**
